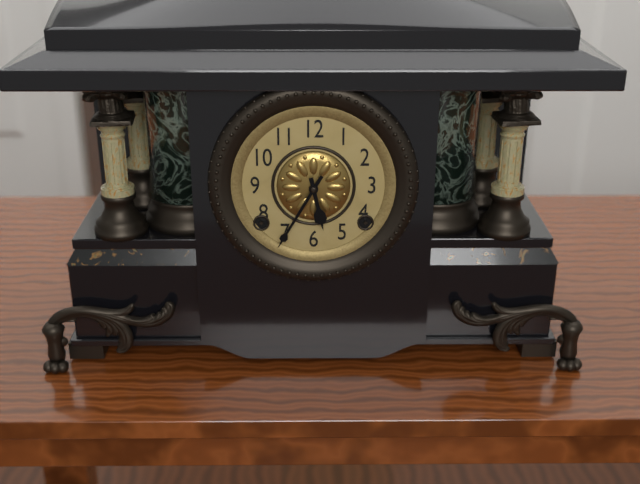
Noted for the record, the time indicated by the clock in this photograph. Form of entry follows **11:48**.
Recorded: **5:35**
